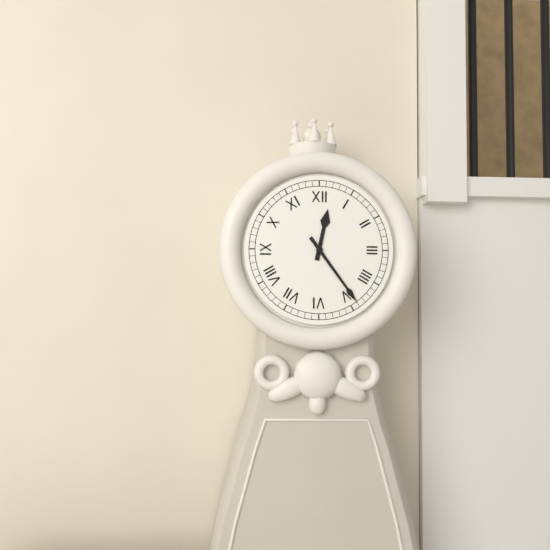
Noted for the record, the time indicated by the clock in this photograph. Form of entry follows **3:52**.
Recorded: **12:24**
